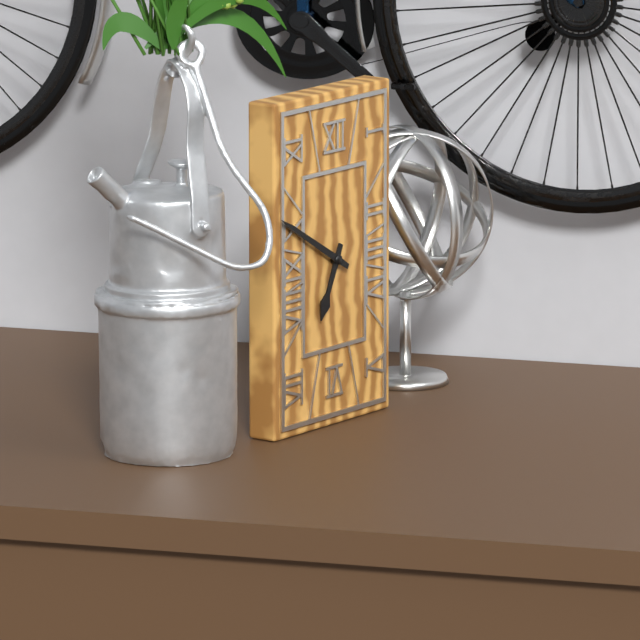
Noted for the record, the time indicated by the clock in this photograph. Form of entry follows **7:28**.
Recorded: **6:50**
